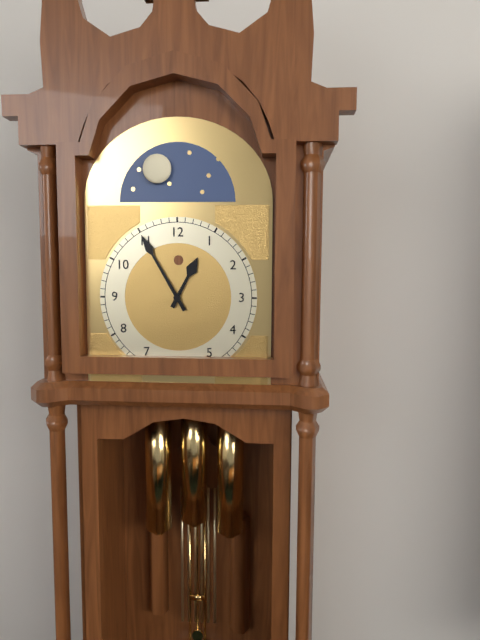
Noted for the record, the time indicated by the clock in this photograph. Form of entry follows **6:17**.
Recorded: **12:55**
